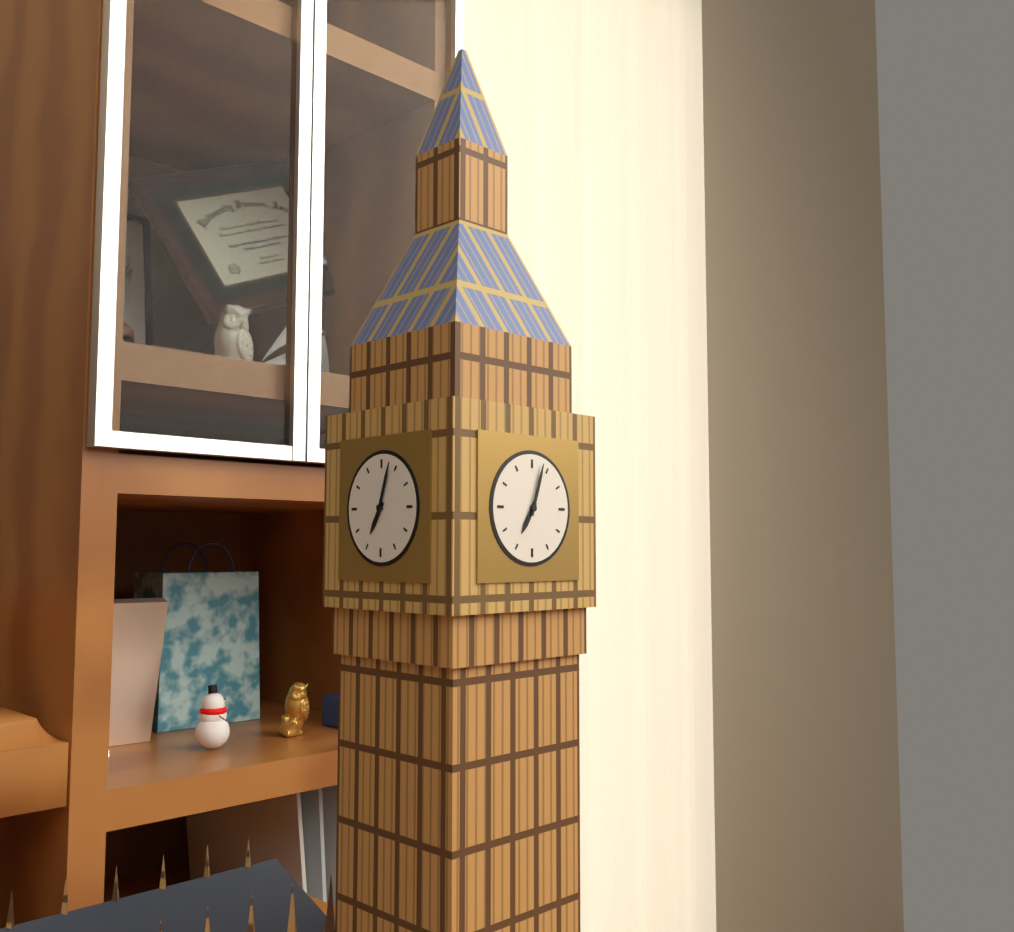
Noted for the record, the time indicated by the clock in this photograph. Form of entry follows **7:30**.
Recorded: **7:03**
